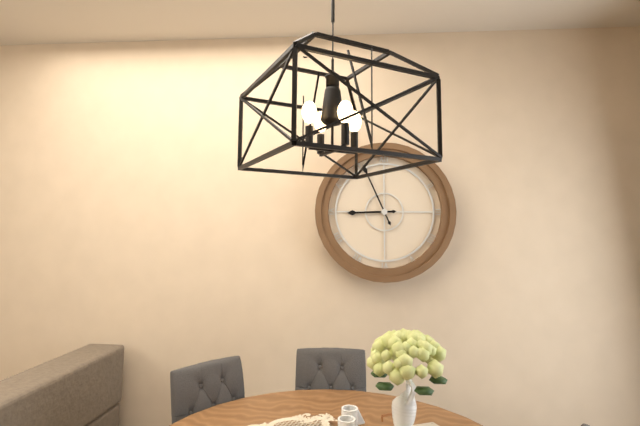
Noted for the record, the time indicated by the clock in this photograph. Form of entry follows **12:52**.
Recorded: **8:56**
